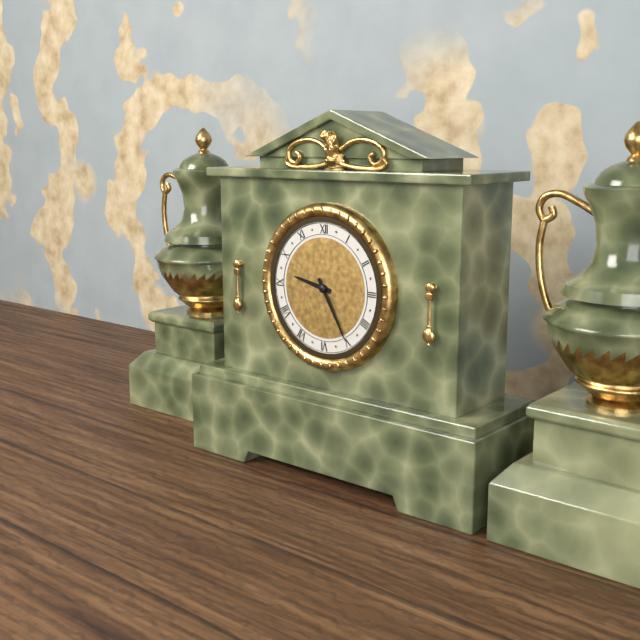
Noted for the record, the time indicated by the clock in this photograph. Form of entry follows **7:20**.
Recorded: **9:25**
